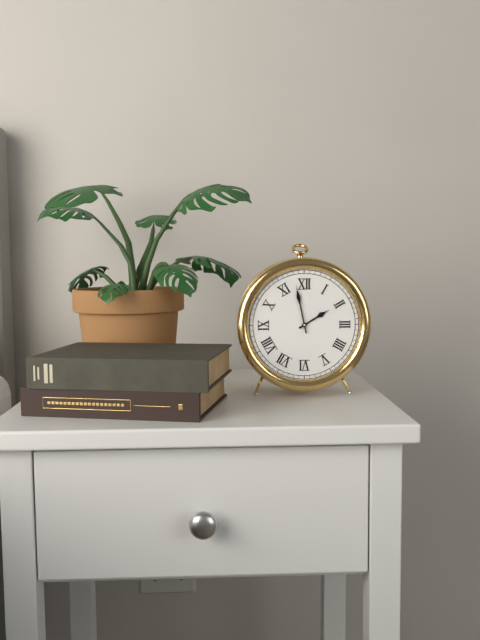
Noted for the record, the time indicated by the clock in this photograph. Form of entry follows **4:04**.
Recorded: **1:58**
